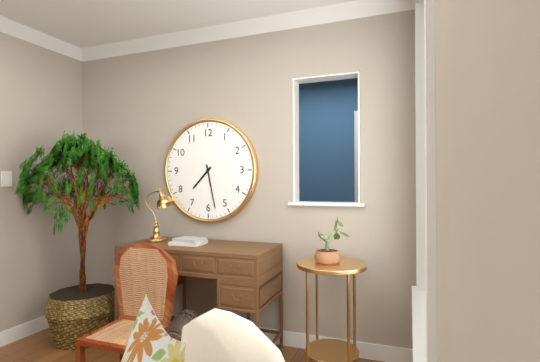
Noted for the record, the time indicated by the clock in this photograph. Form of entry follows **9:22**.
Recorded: **7:28**
